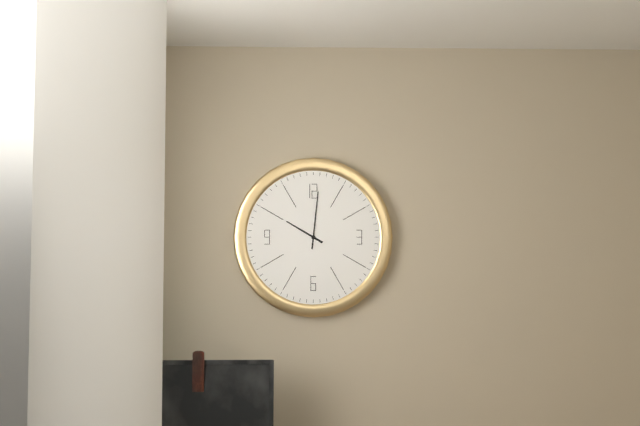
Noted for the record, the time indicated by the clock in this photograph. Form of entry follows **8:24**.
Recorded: **10:01**
